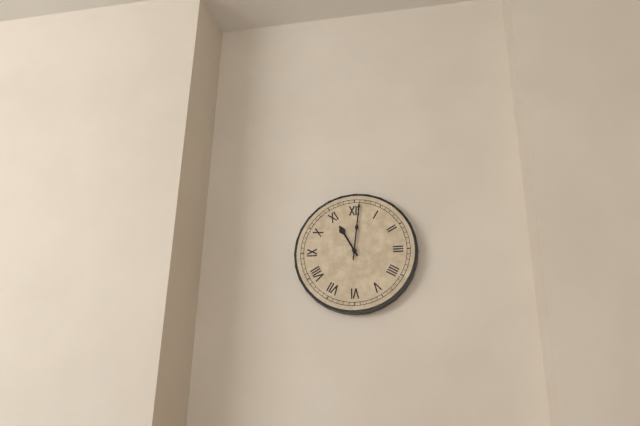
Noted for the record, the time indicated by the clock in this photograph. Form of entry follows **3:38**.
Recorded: **11:01**
